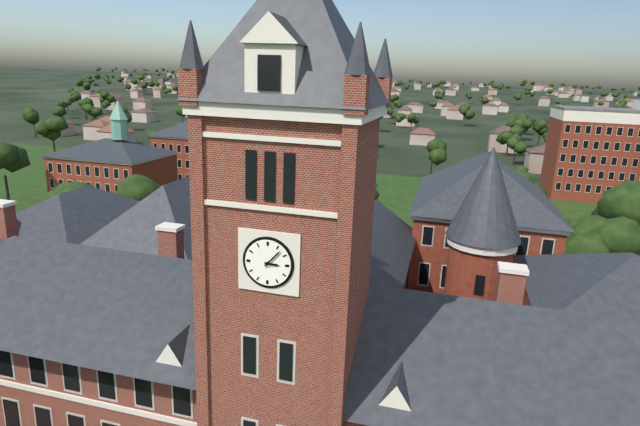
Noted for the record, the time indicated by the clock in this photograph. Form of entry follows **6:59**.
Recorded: **3:07**
